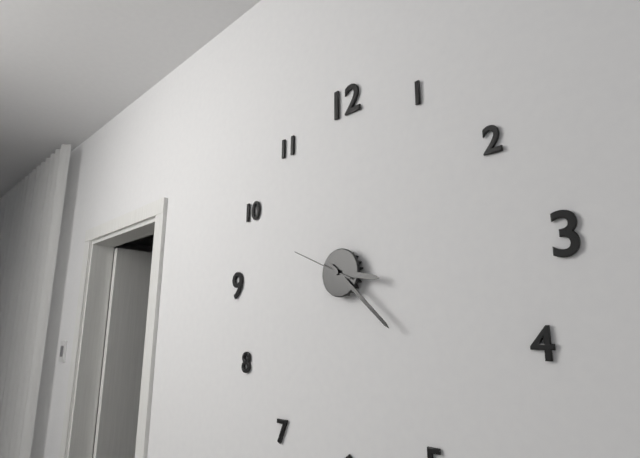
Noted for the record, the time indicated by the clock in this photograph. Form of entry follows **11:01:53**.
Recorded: **3:22:49**
